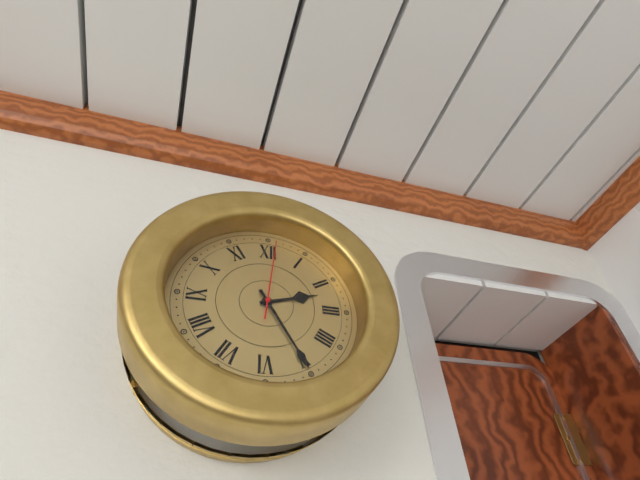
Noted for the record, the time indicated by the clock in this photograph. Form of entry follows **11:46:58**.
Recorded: **2:25:01**
